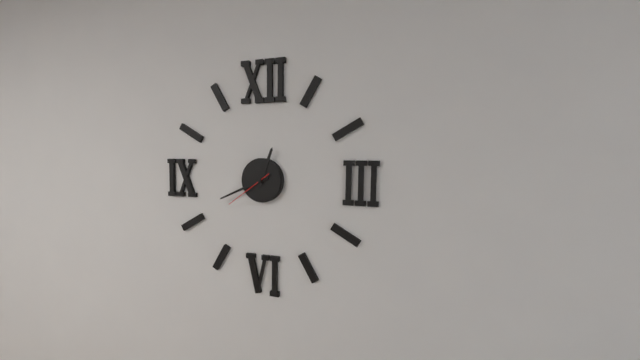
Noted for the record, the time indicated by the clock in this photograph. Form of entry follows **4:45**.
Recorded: **12:41**
